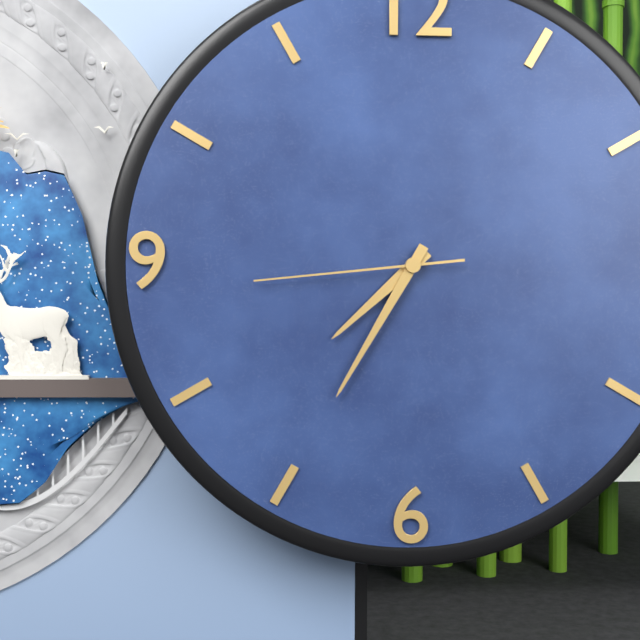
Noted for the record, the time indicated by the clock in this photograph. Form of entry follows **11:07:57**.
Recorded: **7:35:44**
